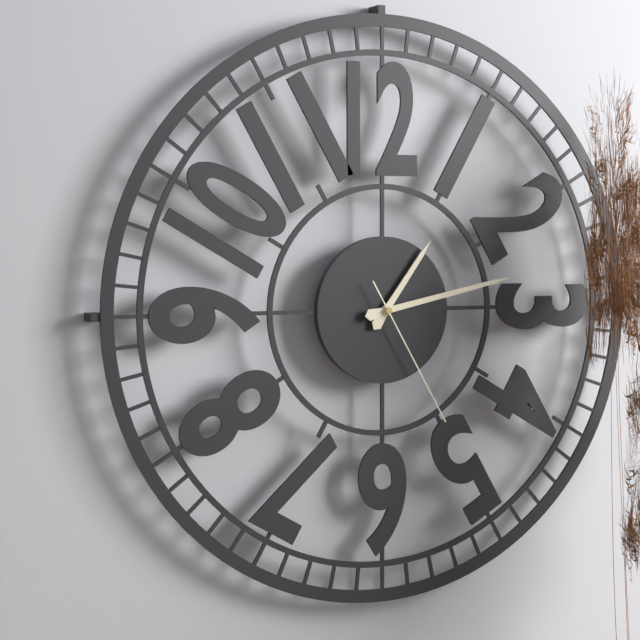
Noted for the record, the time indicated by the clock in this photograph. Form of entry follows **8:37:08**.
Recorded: **1:13:25**
